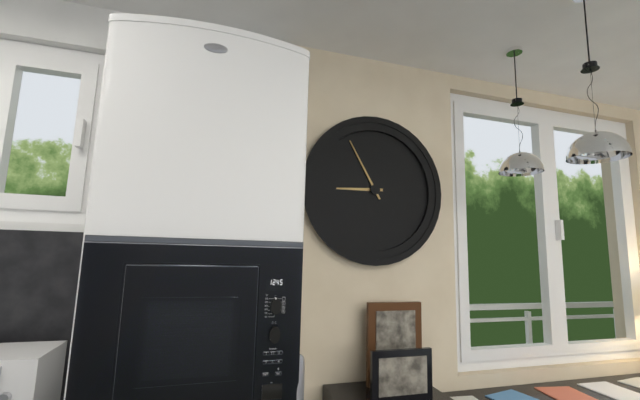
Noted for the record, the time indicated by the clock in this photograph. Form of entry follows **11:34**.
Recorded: **8:55**
